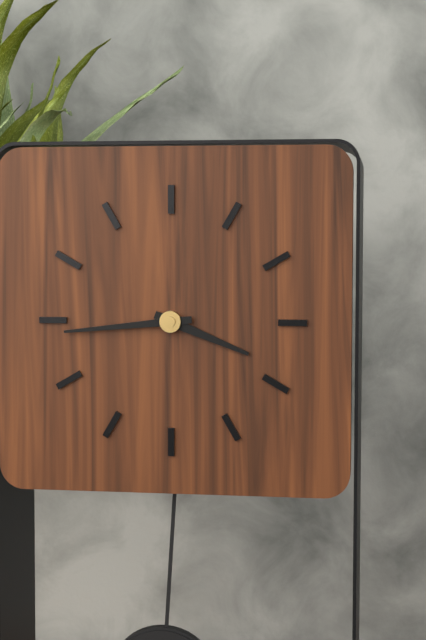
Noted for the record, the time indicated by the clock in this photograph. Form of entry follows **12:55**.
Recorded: **3:44**
